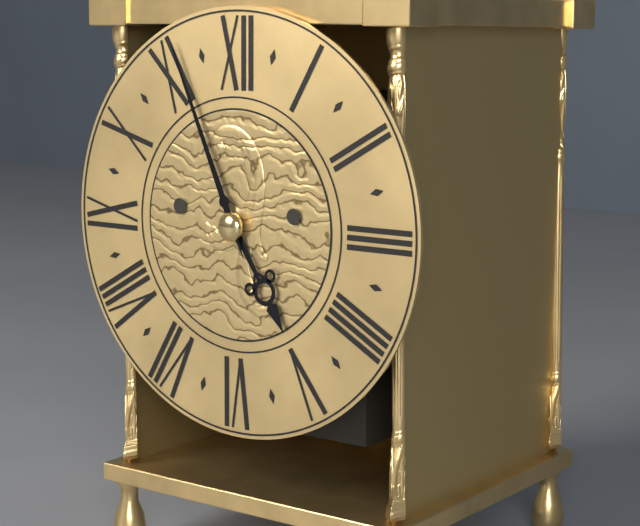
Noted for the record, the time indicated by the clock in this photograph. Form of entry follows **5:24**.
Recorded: **4:56**
